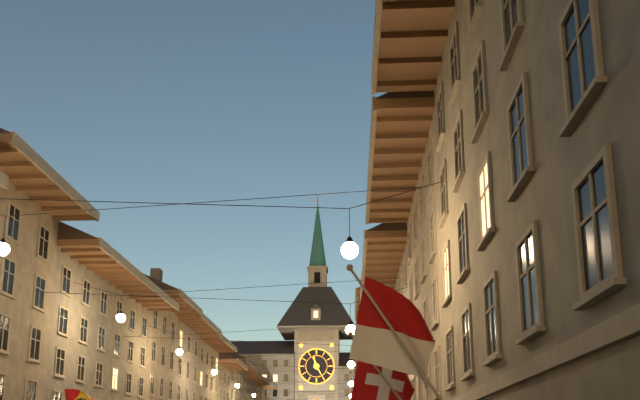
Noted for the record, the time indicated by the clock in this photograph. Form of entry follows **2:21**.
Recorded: **11:25**
